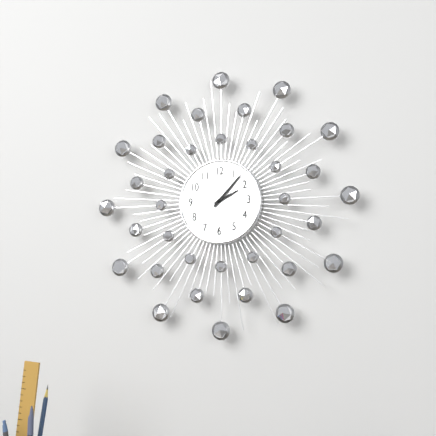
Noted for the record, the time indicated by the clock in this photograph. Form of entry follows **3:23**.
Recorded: **2:07**
